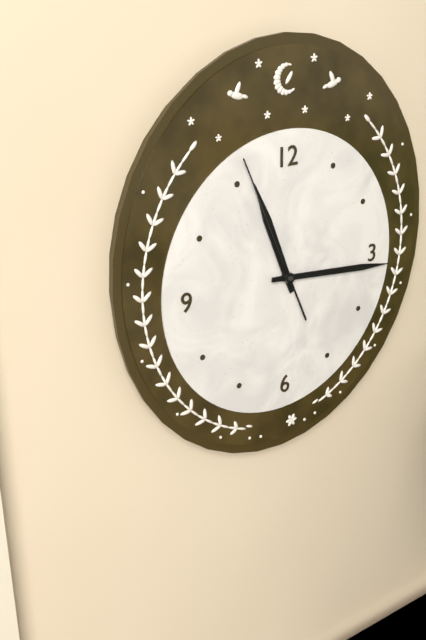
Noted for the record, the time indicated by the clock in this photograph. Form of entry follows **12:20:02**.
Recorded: **11:16:56**
